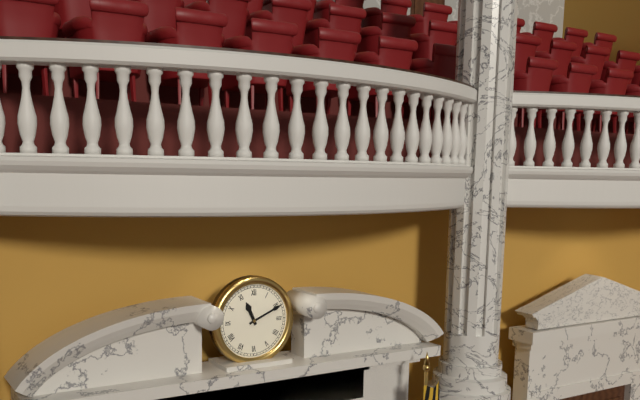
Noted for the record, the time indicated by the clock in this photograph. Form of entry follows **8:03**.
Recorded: **11:11**
